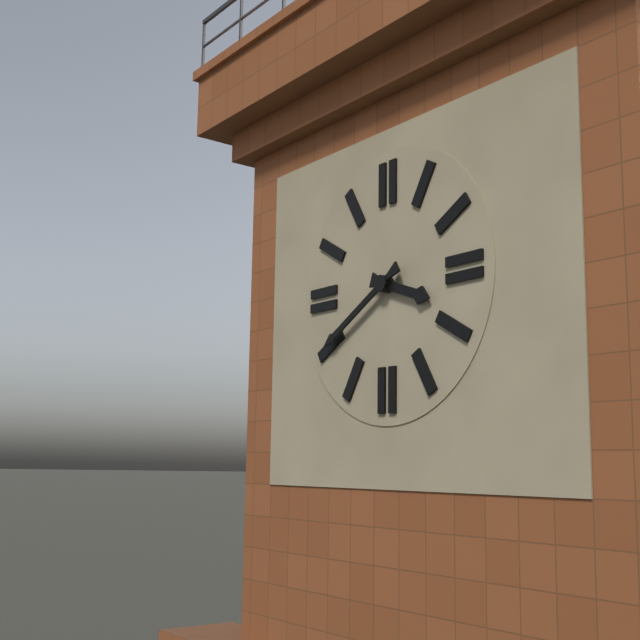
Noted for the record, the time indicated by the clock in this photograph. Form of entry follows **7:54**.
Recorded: **3:40**
